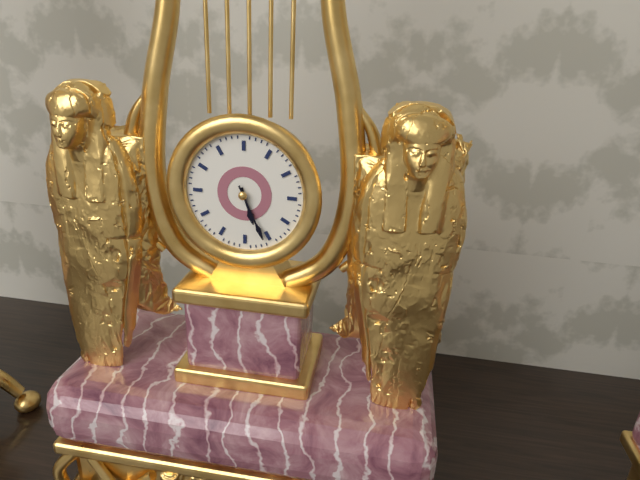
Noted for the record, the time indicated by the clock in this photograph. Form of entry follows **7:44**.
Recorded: **5:26**
